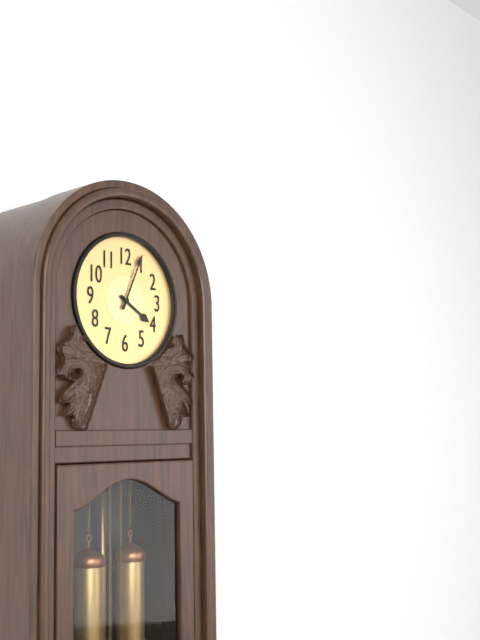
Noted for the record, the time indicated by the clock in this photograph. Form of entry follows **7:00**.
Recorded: **4:04**
